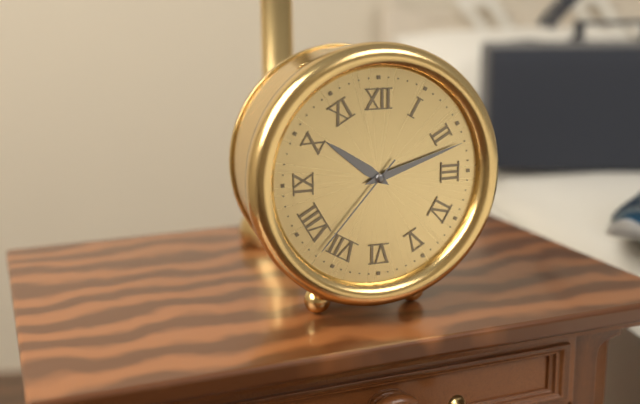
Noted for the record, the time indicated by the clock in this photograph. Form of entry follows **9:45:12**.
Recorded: **10:12:37**
